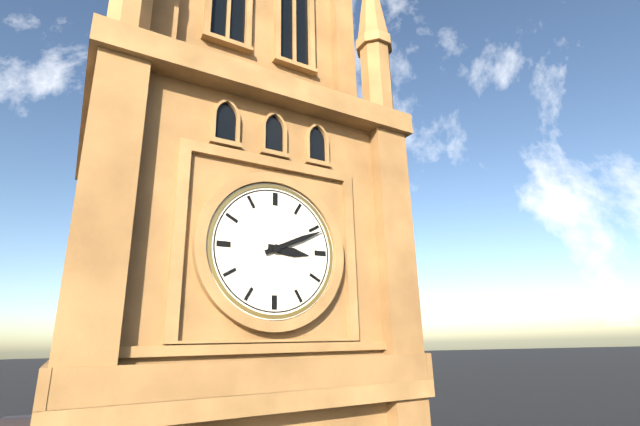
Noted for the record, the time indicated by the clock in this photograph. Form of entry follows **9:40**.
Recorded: **3:11**
